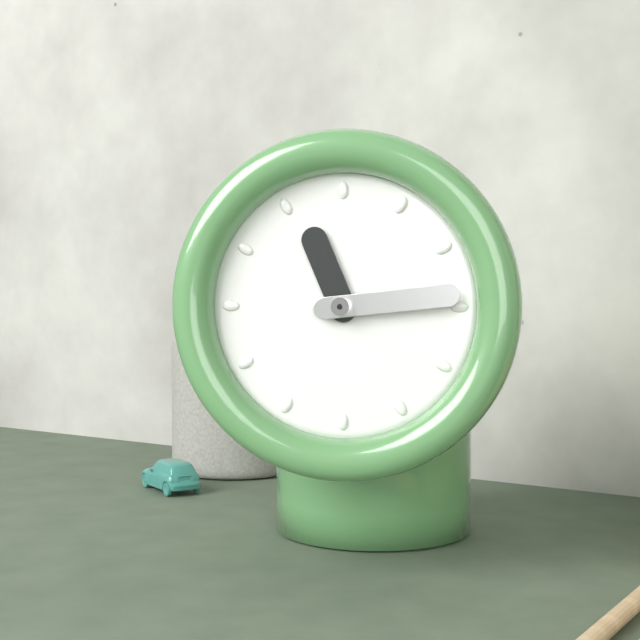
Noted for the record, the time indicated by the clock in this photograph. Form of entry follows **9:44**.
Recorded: **11:14**
